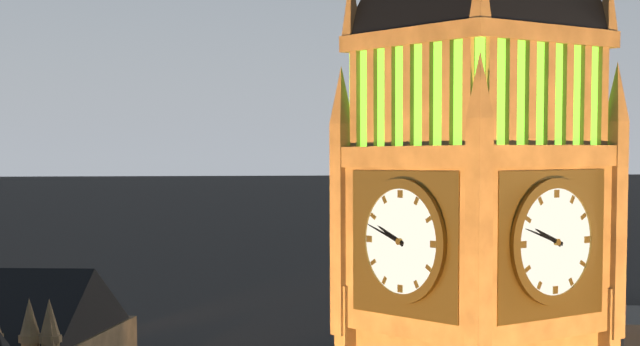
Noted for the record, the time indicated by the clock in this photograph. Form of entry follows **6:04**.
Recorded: **9:48**
